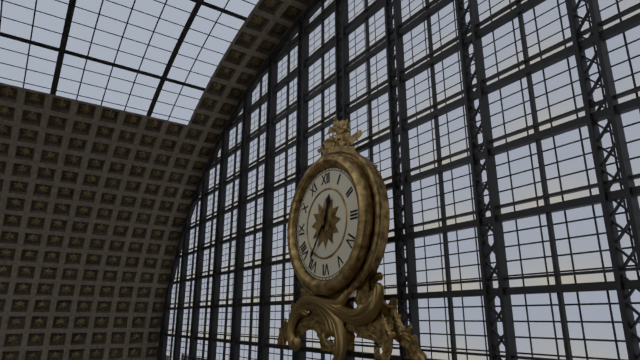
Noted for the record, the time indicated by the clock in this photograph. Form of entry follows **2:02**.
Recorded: **12:36**
